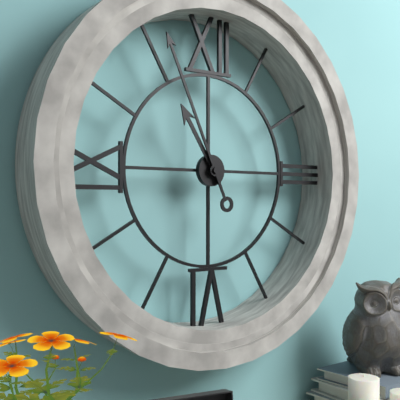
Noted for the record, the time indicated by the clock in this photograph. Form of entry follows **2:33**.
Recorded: **10:56**
